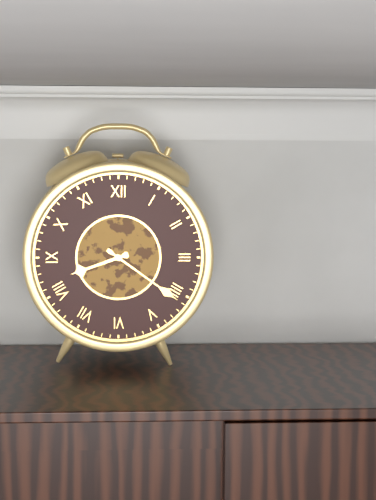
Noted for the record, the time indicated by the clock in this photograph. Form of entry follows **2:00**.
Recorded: **8:21**
